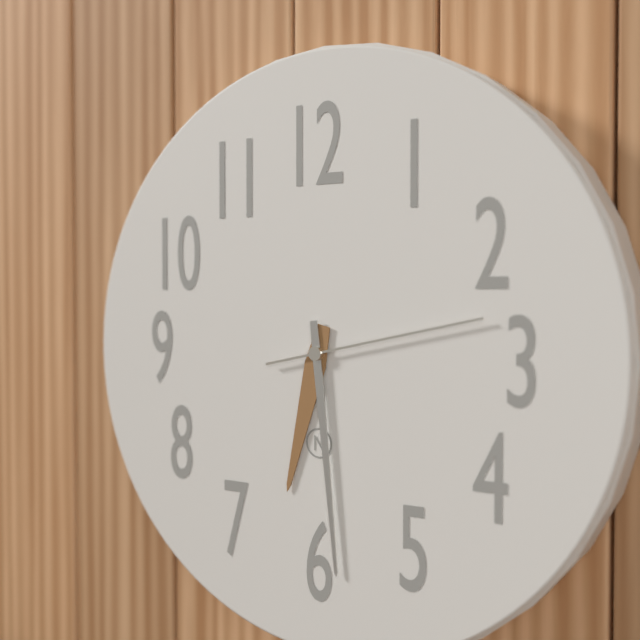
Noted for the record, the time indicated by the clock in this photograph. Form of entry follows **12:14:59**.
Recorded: **6:29:13**
